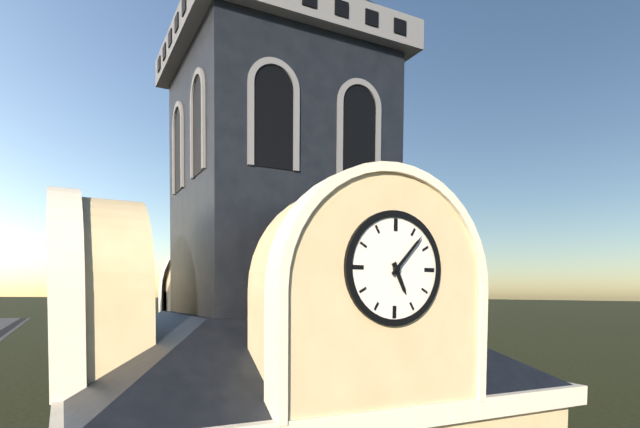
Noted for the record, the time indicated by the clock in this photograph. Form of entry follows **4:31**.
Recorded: **5:07**
